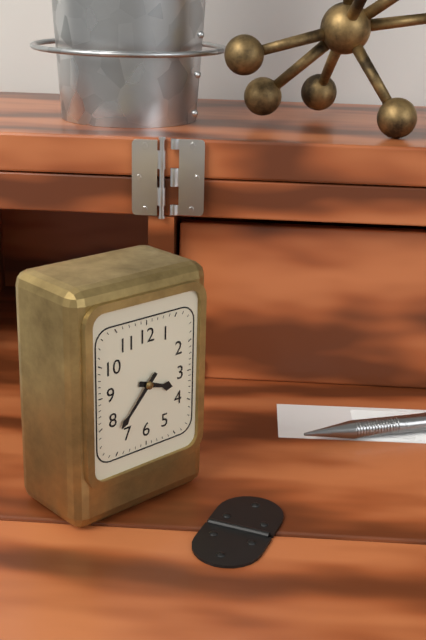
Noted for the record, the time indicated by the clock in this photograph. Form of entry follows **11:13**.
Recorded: **3:37**
